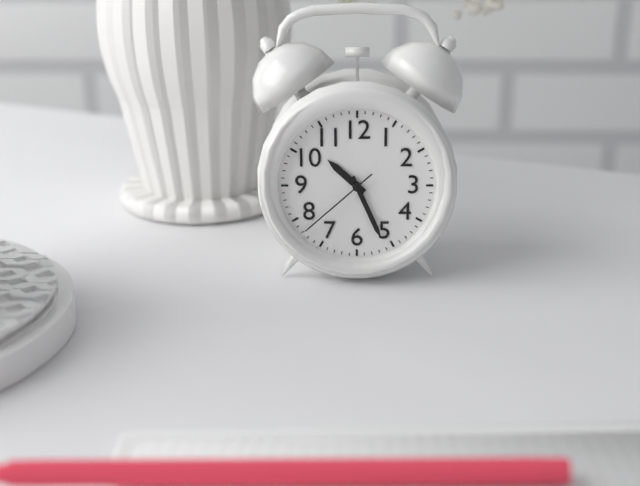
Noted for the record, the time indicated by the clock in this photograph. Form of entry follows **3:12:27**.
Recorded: **10:26:38**
